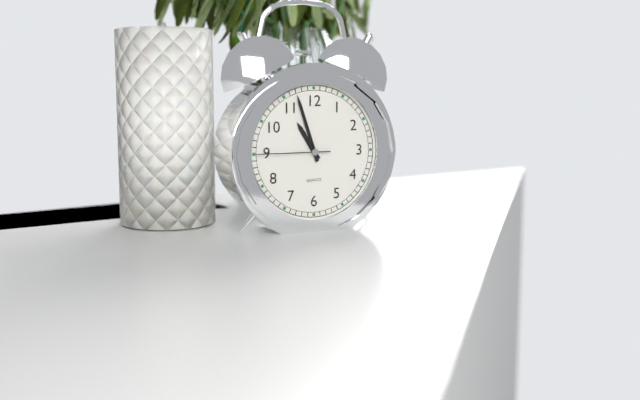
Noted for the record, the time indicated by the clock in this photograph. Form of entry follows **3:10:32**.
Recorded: **10:57:45**
